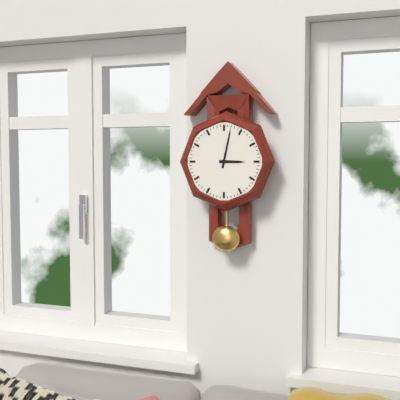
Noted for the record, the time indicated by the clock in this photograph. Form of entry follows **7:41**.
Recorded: **3:02**
